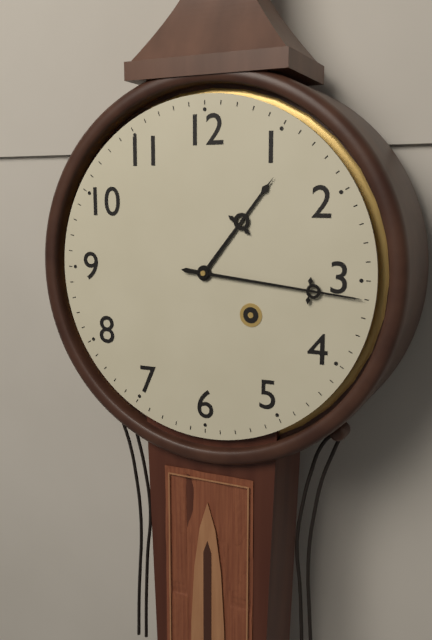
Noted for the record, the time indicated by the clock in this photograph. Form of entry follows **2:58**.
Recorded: **1:16**
